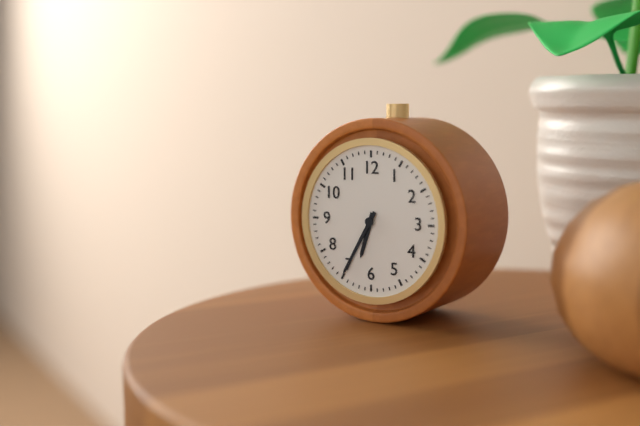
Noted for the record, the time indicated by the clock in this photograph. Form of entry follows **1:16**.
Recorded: **6:35**
